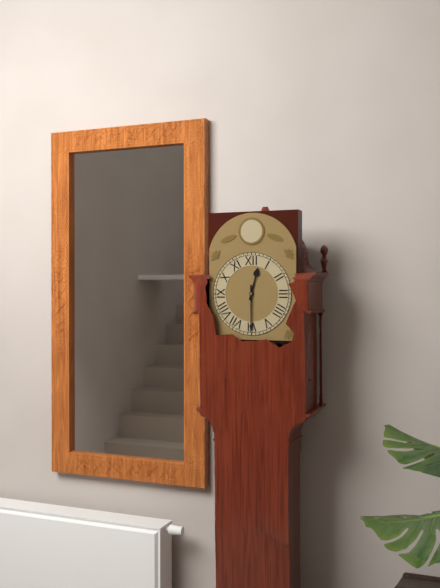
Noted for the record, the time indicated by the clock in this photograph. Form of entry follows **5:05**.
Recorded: **12:30**
